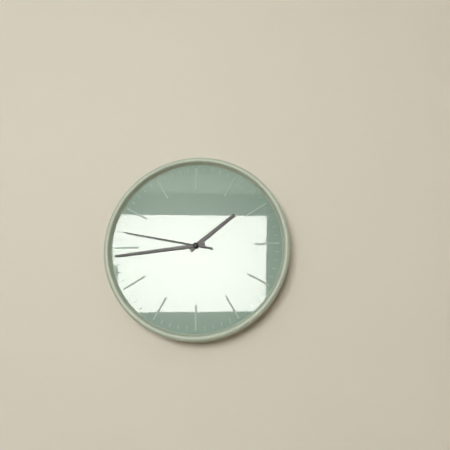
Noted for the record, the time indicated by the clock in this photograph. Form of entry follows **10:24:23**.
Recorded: **1:44:47**
